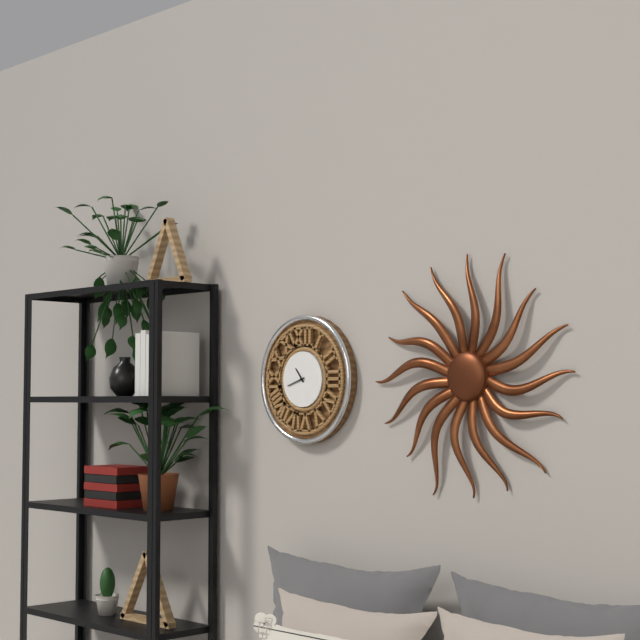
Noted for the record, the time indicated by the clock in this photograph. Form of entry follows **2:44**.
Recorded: **10:42**
